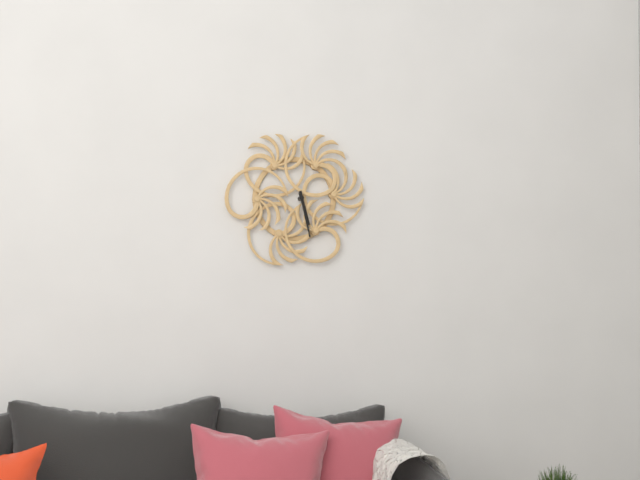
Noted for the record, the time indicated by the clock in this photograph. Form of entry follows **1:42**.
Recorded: **5:28**
